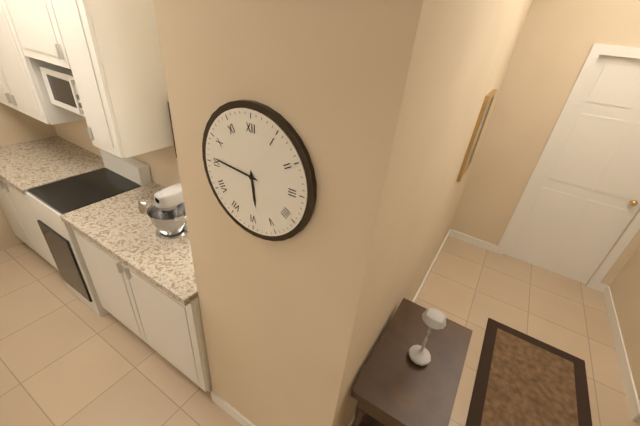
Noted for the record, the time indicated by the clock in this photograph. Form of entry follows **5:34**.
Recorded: **5:46**
